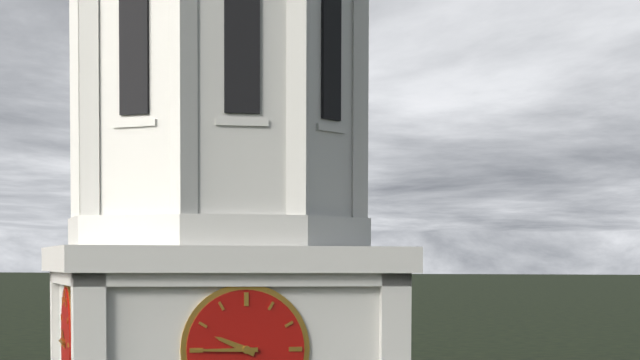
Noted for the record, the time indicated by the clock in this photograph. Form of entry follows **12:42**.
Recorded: **9:45**
